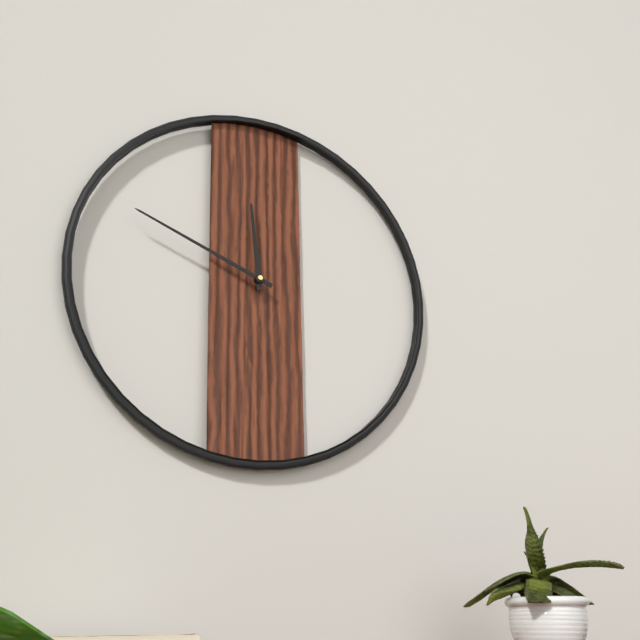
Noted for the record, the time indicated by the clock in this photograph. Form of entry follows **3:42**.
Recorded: **11:49**
